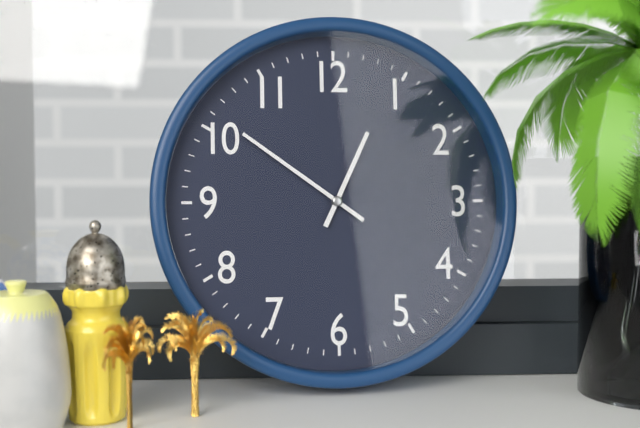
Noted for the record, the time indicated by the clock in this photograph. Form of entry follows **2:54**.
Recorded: **12:51**
